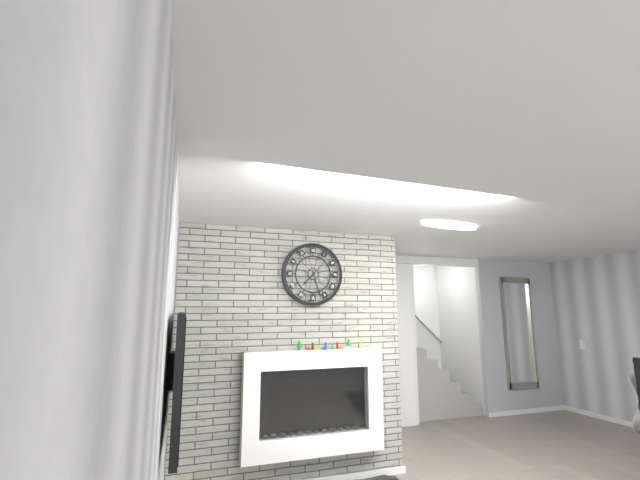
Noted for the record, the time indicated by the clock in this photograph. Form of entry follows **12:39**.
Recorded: **7:27**
